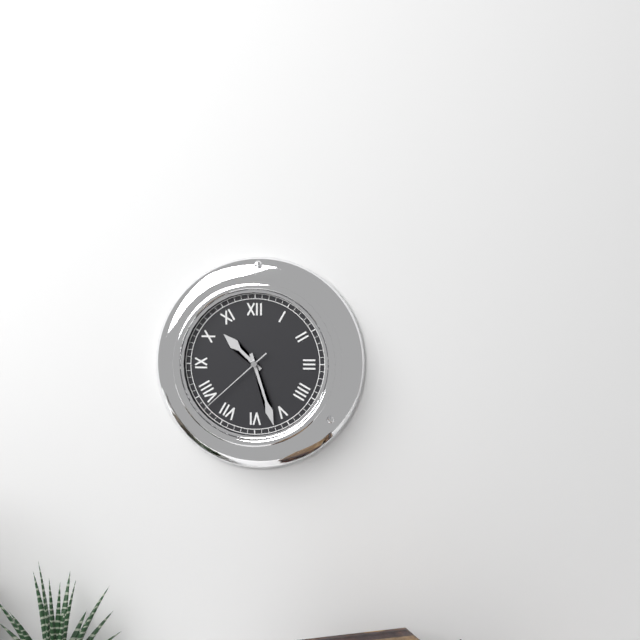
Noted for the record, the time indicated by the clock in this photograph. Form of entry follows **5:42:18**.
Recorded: **10:27:38**
